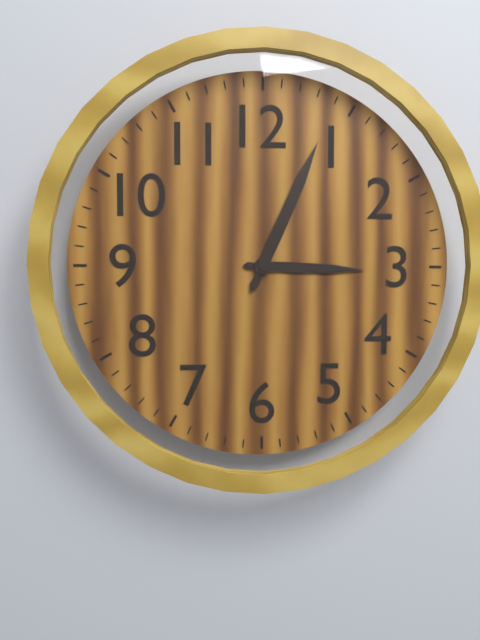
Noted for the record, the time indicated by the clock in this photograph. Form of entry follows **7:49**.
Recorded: **3:04**
